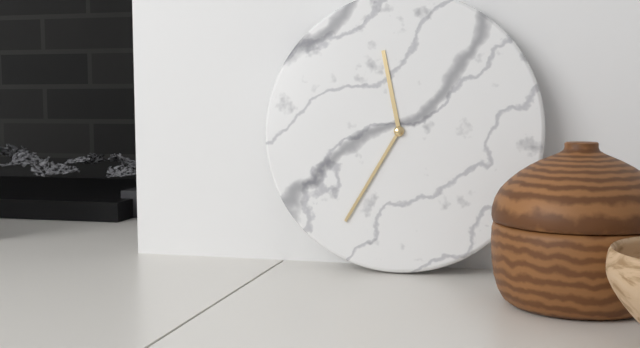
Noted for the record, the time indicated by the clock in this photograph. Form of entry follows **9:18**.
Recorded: **11:35**
